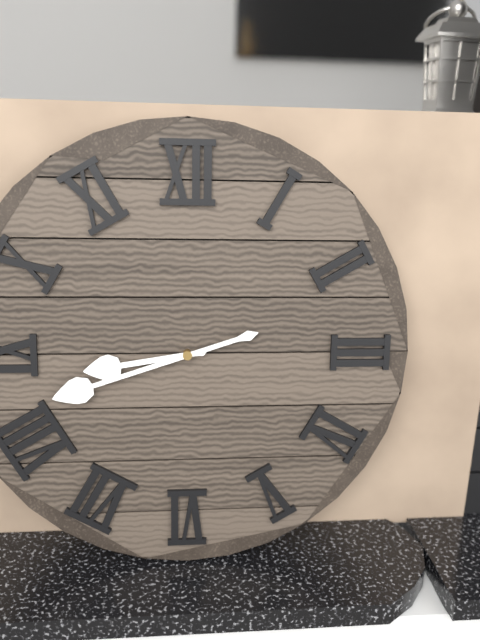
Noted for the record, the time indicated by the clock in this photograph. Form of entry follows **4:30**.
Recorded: **8:42**
